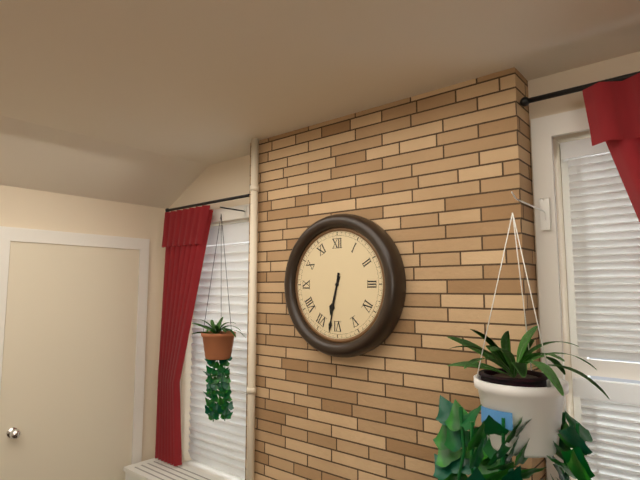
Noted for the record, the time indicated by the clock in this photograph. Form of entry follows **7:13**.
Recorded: **6:32**
